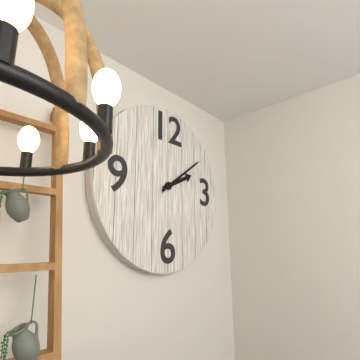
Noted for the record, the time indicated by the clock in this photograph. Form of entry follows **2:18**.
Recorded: **2:09**
